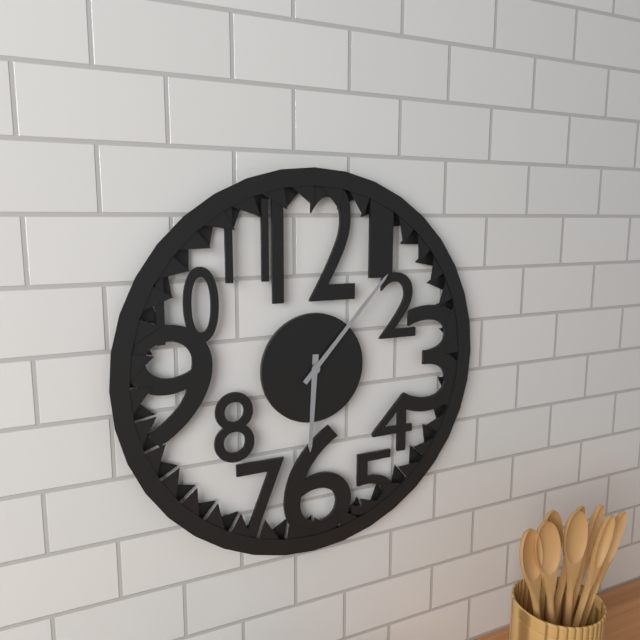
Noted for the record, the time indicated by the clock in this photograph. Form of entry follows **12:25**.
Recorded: **6:07**
